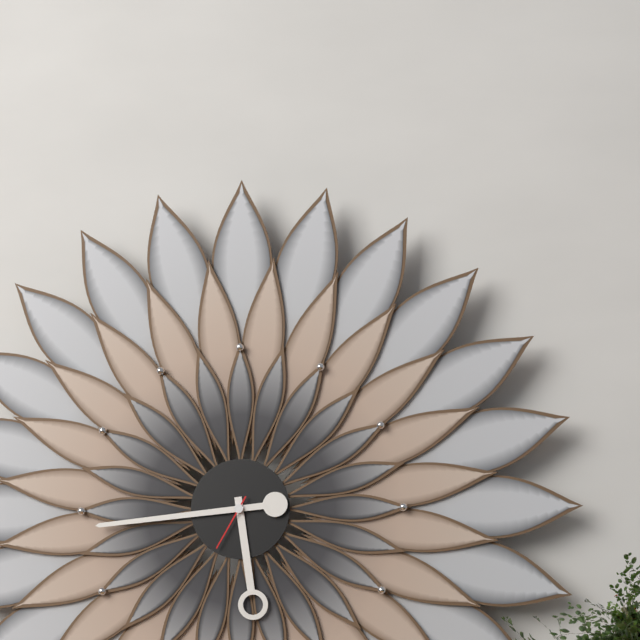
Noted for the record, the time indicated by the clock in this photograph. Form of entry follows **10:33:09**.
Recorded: **5:44:35**
